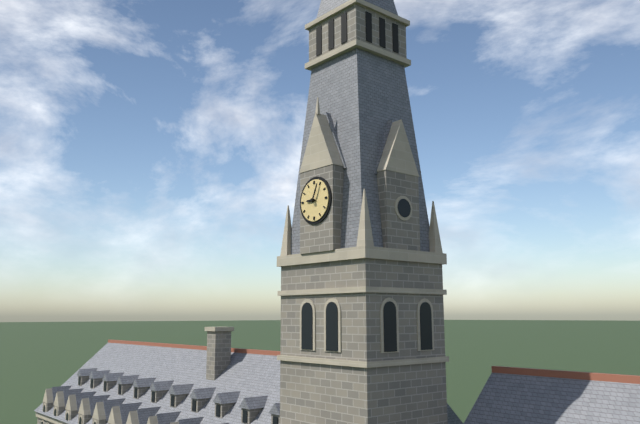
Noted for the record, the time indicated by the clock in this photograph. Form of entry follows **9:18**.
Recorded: **9:04**
